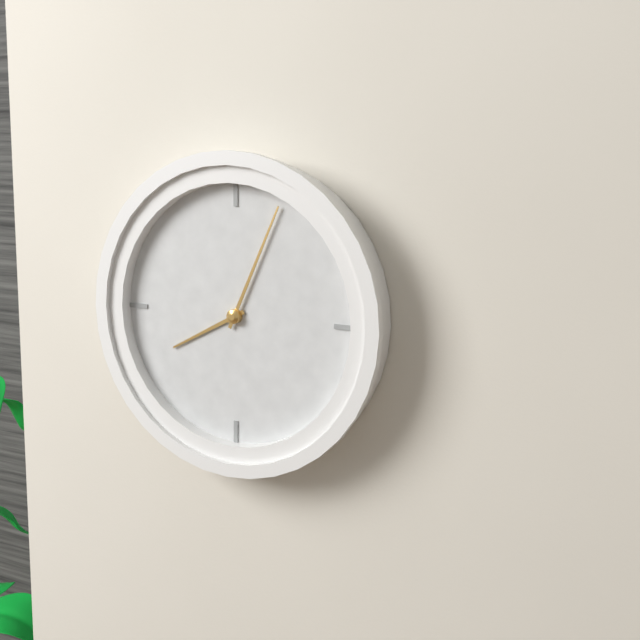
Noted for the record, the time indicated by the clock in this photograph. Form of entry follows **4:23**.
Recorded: **8:04**
